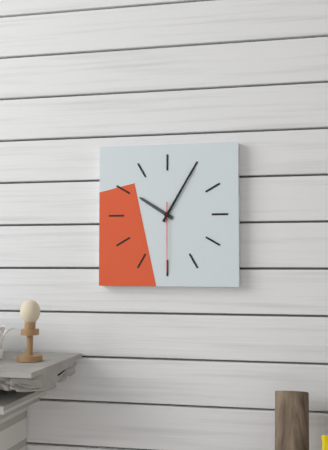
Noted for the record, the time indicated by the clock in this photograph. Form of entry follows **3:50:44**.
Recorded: **10:05:30**
